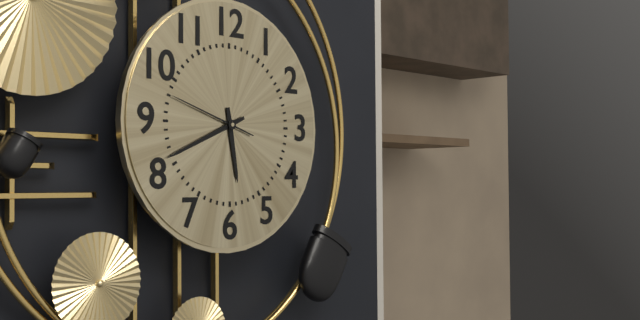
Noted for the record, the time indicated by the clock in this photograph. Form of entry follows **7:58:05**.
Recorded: **5:41:48**
